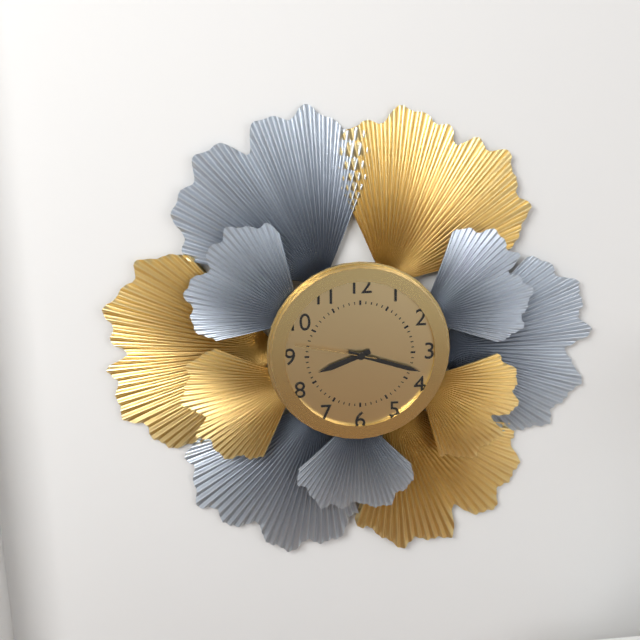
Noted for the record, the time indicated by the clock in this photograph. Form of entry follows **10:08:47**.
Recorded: **8:18:47**
